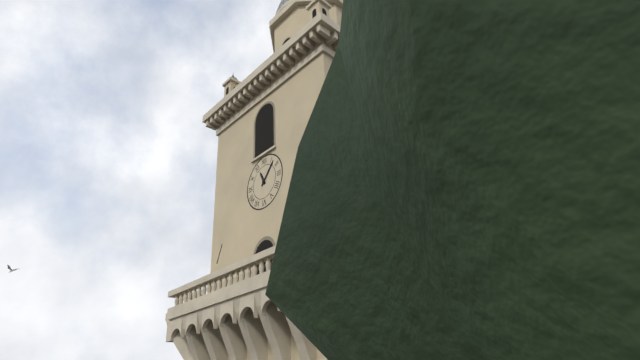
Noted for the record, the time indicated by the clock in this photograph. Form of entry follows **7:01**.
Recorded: **11:07**
